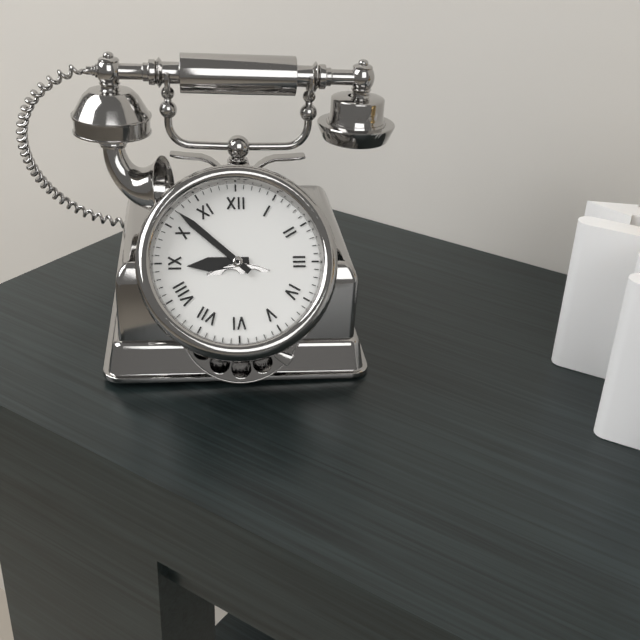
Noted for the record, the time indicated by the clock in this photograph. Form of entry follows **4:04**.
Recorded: **8:52**
